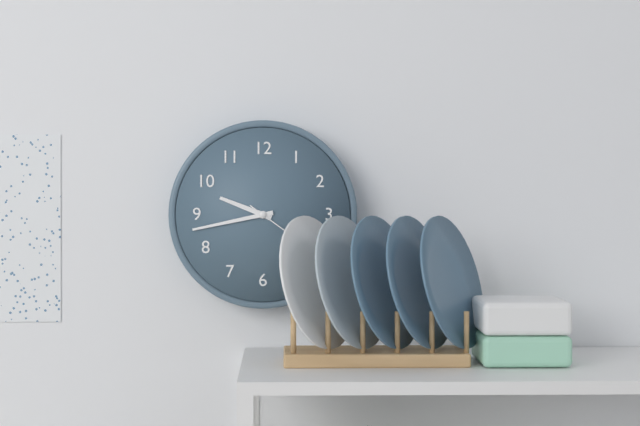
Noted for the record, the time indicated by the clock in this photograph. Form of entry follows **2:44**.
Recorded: **9:43**
